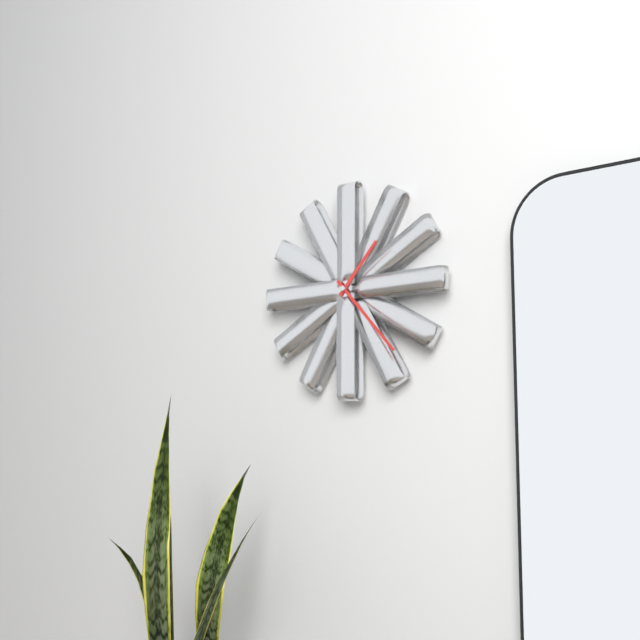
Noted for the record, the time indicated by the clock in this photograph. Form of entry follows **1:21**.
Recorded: **1:23**
